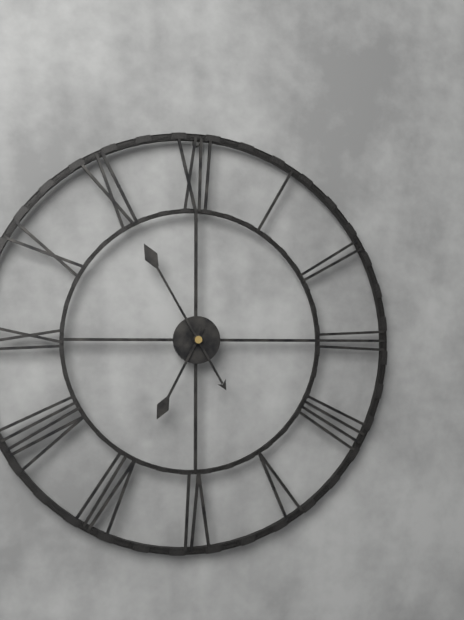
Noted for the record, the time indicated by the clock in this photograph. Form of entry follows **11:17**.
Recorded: **6:55**
